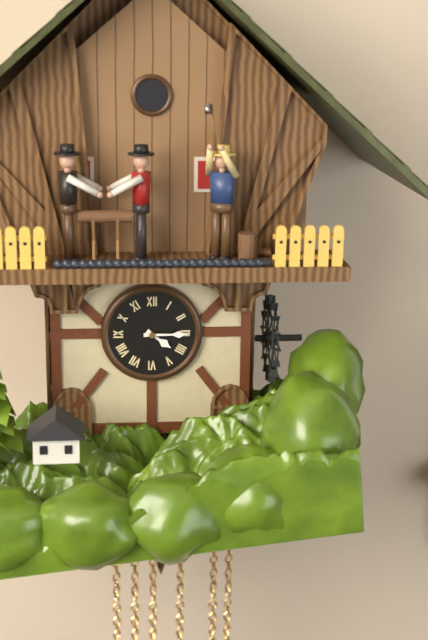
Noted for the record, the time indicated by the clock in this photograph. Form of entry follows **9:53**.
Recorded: **4:15**
